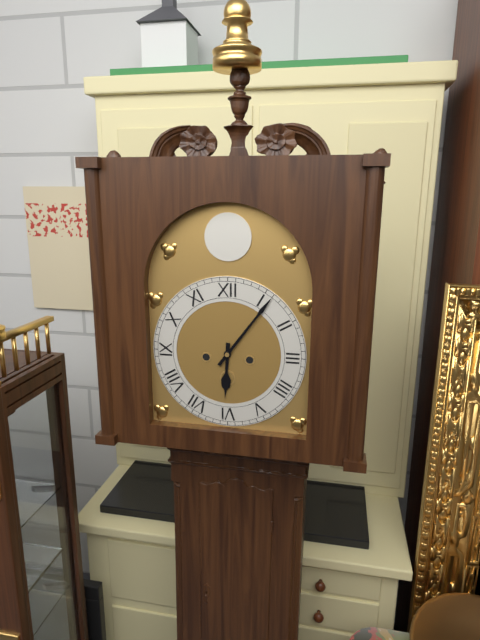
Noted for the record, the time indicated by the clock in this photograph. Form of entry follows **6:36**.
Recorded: **6:06**
